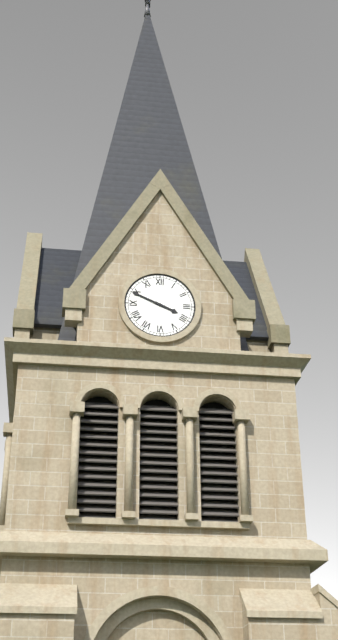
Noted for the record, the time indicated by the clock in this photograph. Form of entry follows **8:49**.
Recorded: **3:49**
